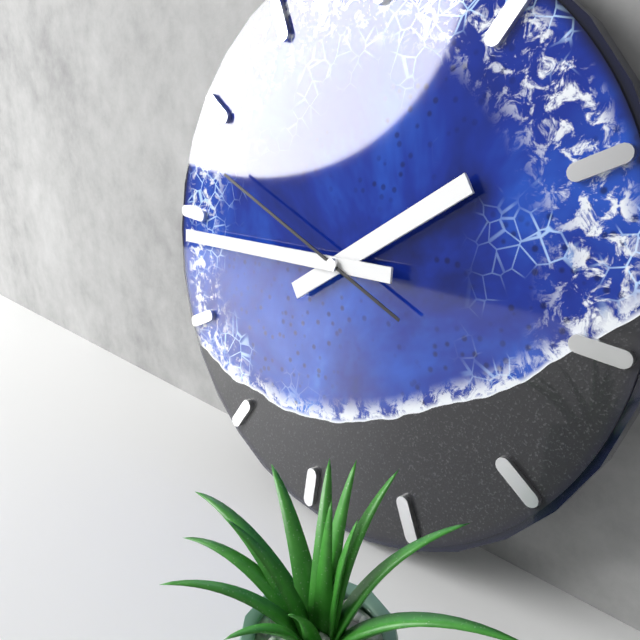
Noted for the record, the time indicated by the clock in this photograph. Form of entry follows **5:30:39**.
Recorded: **1:44:48**
